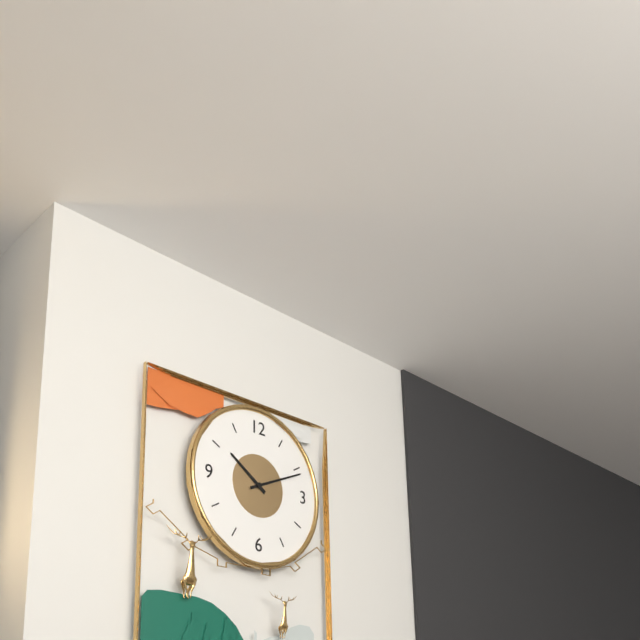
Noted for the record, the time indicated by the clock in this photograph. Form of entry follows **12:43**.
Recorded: **10:11**
